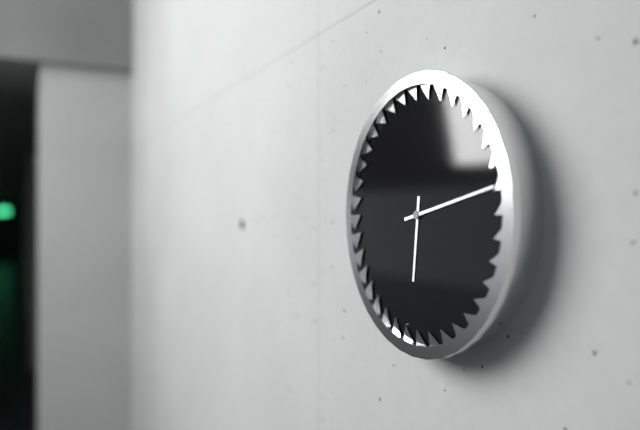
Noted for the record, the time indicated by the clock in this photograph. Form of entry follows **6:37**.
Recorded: **6:13**
